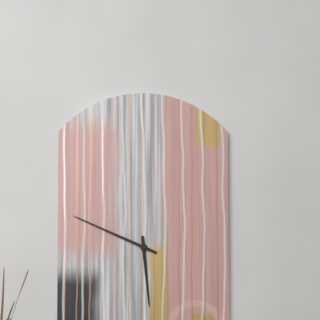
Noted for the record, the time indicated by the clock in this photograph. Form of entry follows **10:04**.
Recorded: **5:49**
